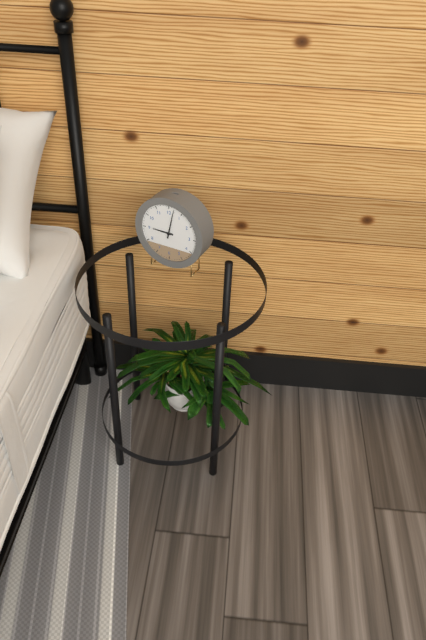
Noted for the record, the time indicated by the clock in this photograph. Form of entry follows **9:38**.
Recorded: **9:02**
